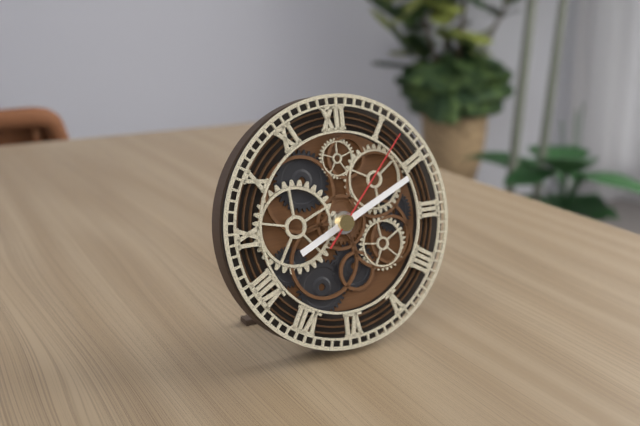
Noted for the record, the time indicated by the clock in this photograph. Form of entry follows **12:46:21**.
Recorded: **8:11:07**
